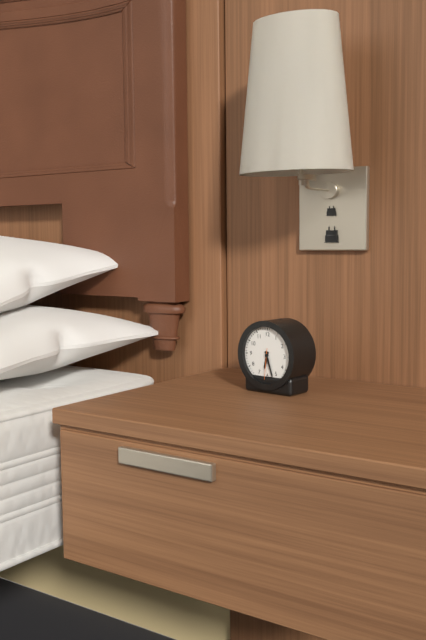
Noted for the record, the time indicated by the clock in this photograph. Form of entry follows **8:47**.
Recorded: **6:27**
